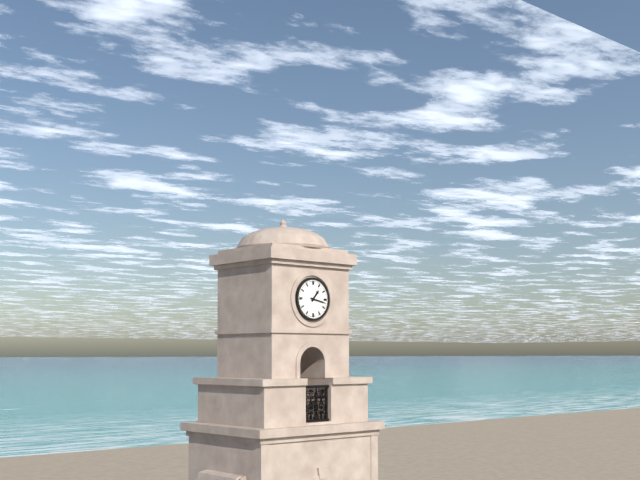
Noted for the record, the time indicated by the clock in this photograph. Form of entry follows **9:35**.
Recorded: **1:17**
